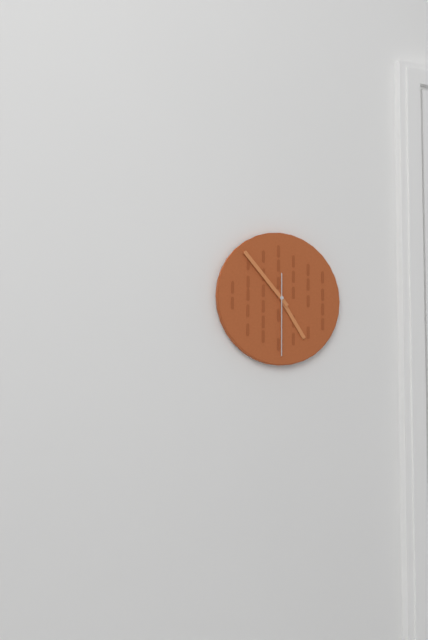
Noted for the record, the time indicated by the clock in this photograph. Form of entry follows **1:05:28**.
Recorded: **4:53:30**
